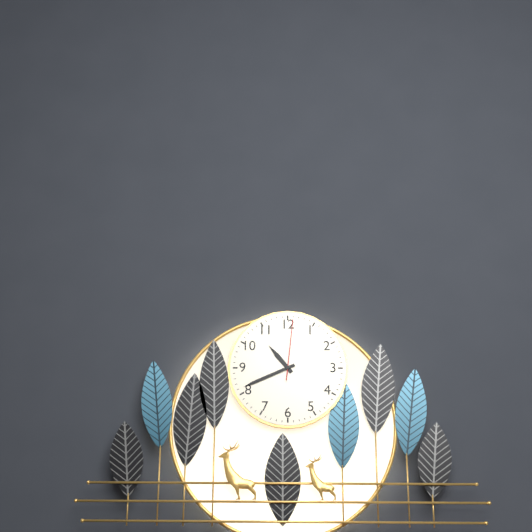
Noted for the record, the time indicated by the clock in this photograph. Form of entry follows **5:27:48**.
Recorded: **10:41:01**
